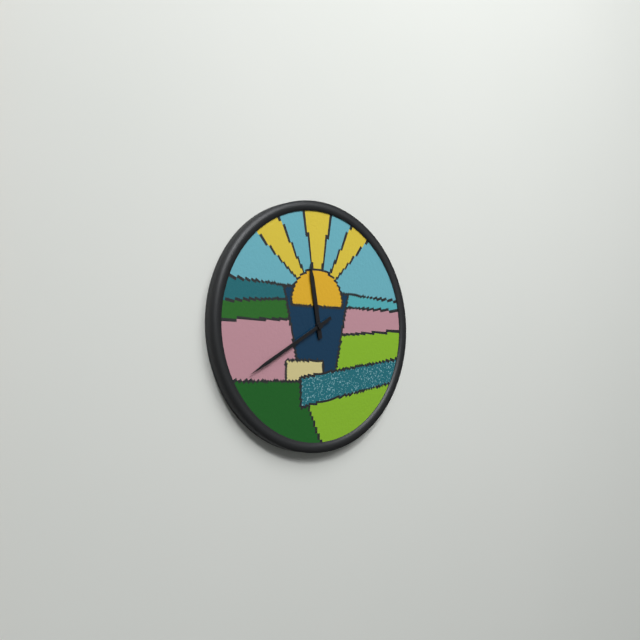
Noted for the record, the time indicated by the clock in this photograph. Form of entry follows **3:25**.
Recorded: **11:40**
